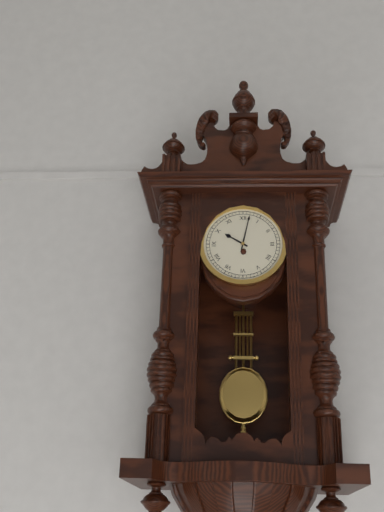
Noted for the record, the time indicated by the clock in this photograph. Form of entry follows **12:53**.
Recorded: **10:02**
